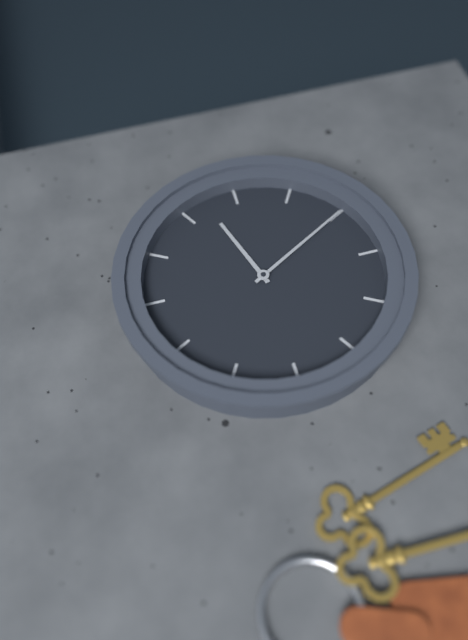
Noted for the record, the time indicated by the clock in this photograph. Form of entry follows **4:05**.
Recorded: **2:25**
